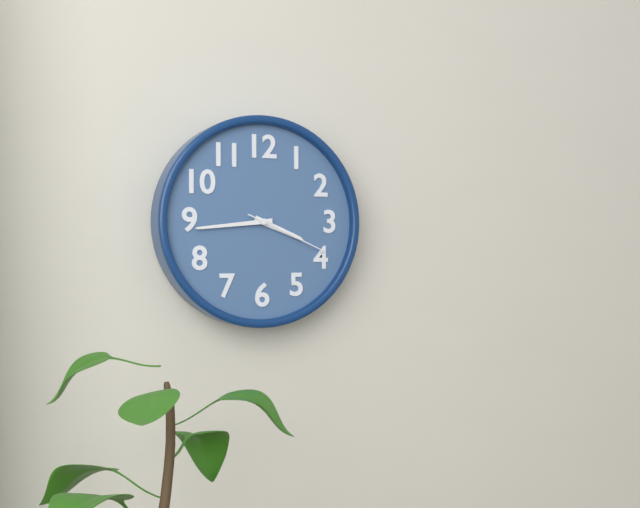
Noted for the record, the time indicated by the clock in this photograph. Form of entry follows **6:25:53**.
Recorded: **3:44:19**
